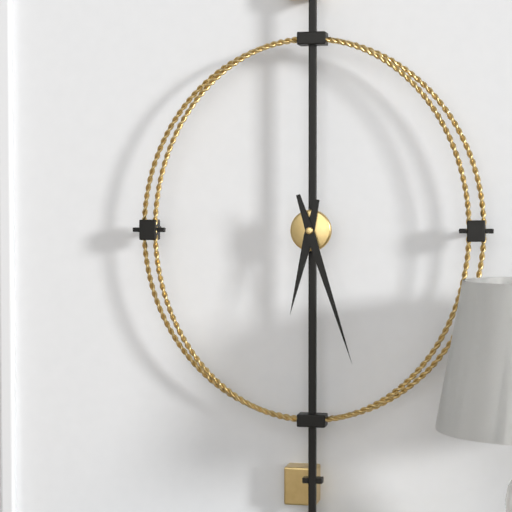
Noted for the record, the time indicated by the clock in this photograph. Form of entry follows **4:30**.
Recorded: **6:27**
